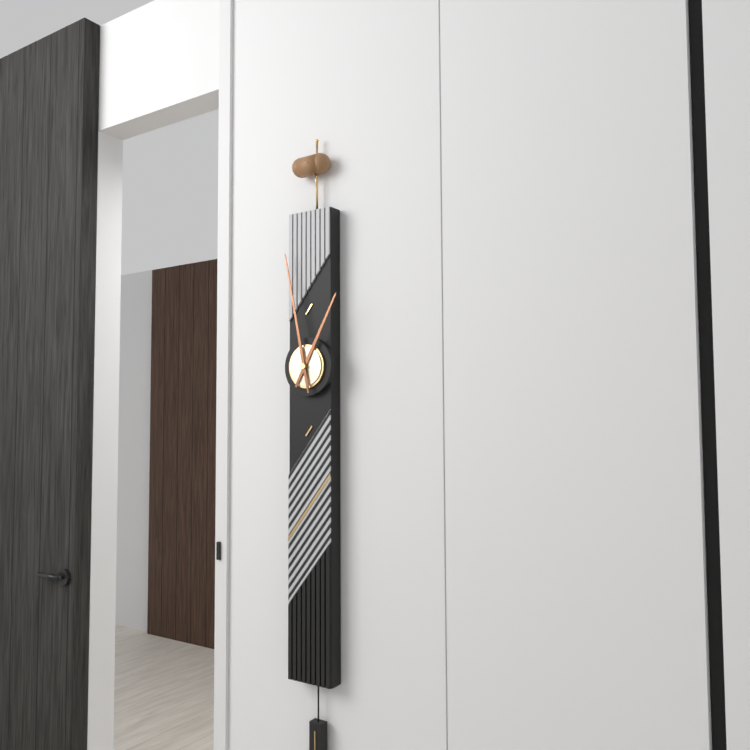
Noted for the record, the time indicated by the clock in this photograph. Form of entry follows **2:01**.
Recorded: **12:58**
